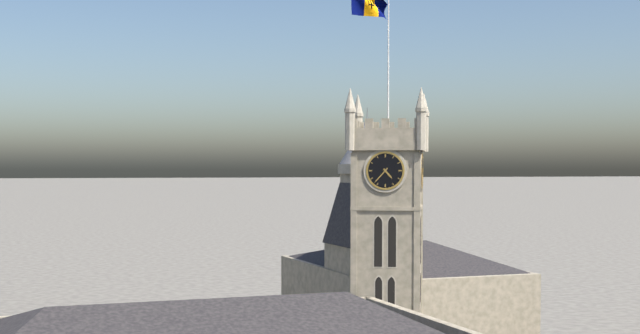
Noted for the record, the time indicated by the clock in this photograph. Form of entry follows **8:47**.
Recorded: **4:37**
